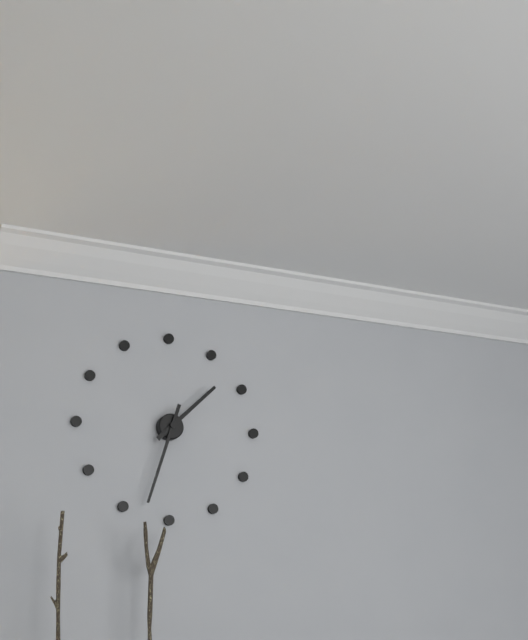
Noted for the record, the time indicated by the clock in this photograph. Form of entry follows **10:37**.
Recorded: **1:33**
